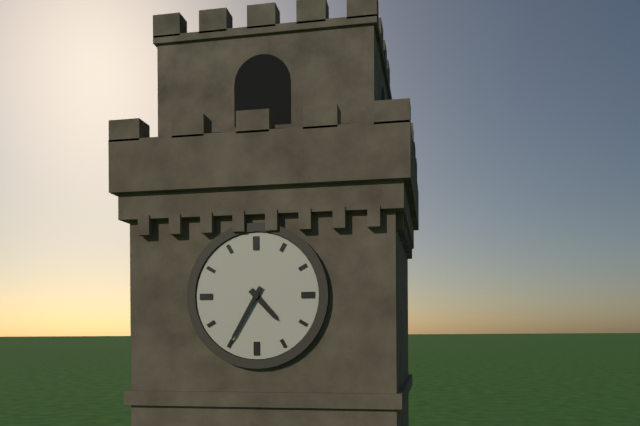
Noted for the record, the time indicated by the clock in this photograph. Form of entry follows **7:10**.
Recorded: **4:35**
